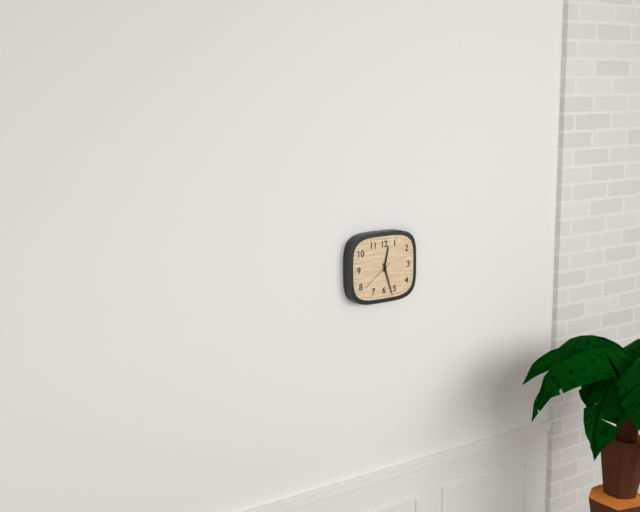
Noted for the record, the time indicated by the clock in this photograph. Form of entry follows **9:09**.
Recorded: **12:27**
